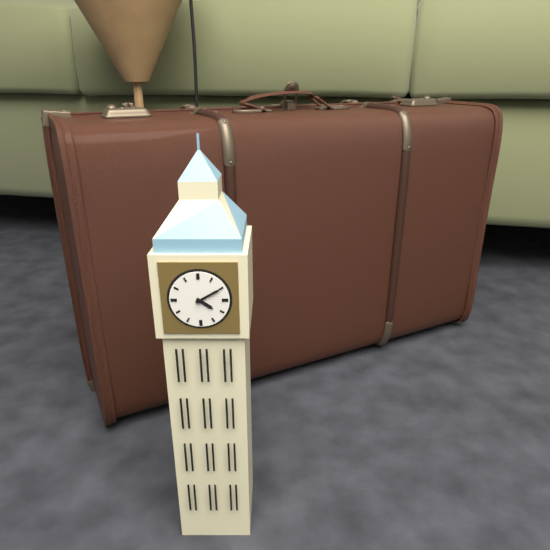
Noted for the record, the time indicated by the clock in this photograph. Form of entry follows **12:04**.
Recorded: **4:10**
